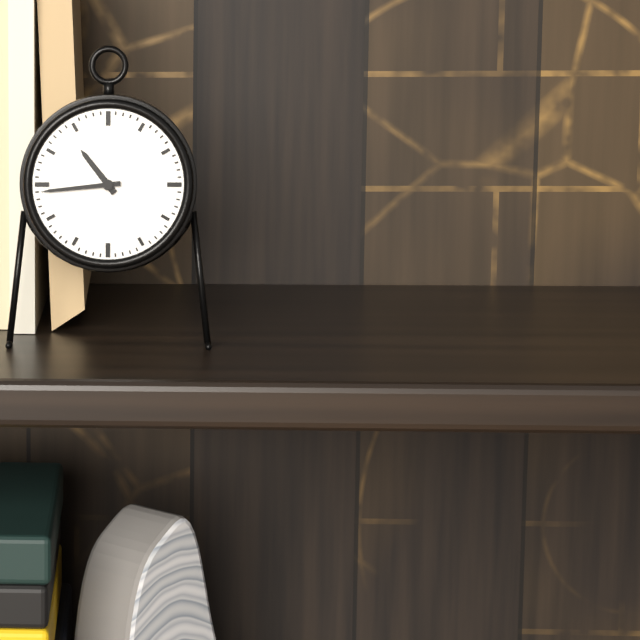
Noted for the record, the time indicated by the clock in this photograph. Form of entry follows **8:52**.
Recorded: **10:44**
